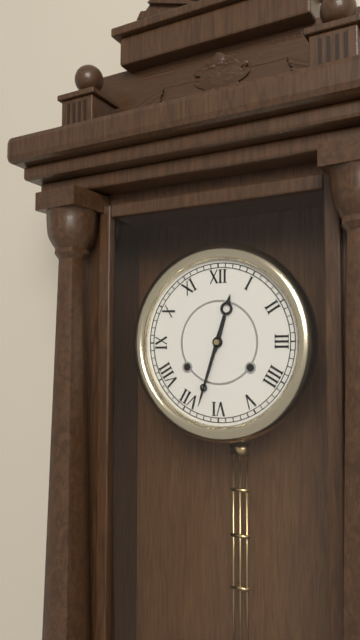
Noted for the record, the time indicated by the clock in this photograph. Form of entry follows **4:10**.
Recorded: **12:33**
